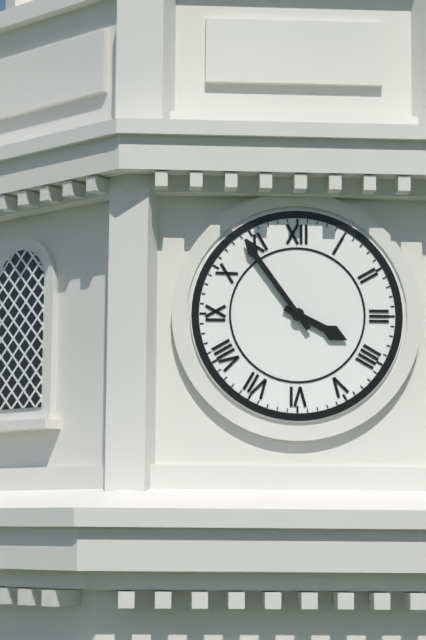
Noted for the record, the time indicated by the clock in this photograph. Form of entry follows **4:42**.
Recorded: **3:54**
